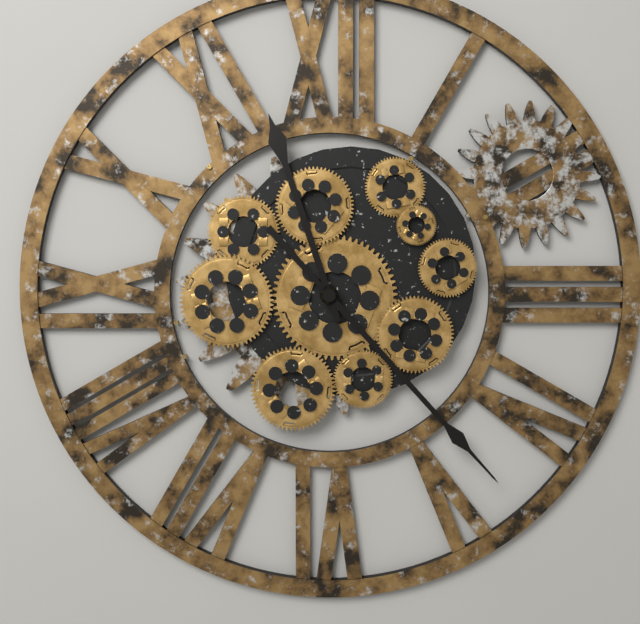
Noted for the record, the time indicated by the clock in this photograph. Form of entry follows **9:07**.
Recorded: **11:23**
